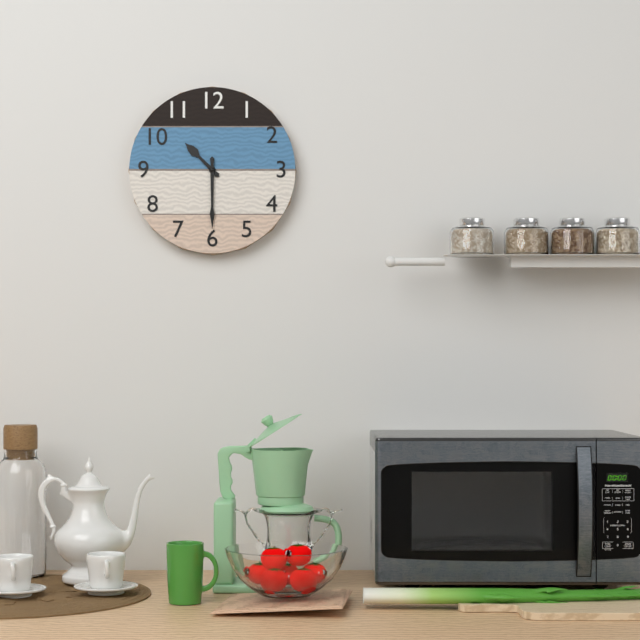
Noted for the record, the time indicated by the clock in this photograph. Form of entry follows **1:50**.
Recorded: **10:30**
